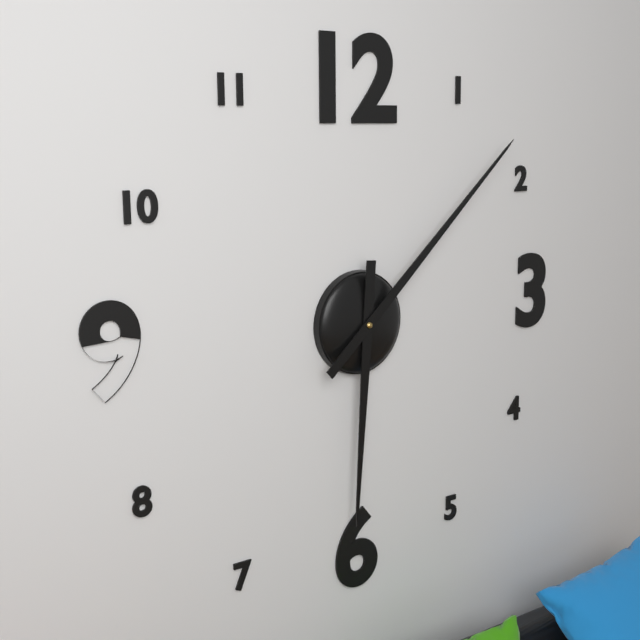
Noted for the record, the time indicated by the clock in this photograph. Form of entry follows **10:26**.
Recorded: **6:08**
